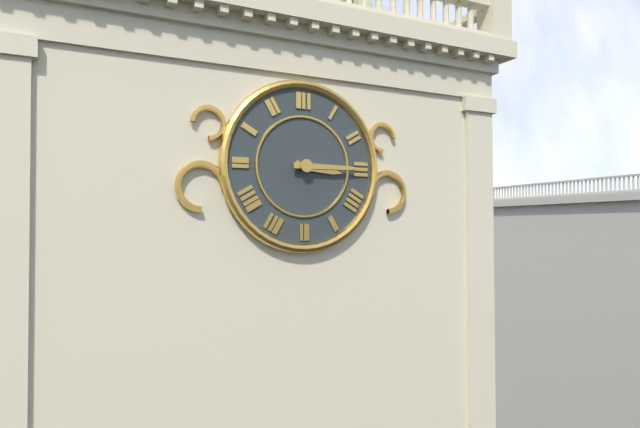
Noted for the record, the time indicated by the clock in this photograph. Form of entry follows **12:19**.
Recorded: **3:15**
